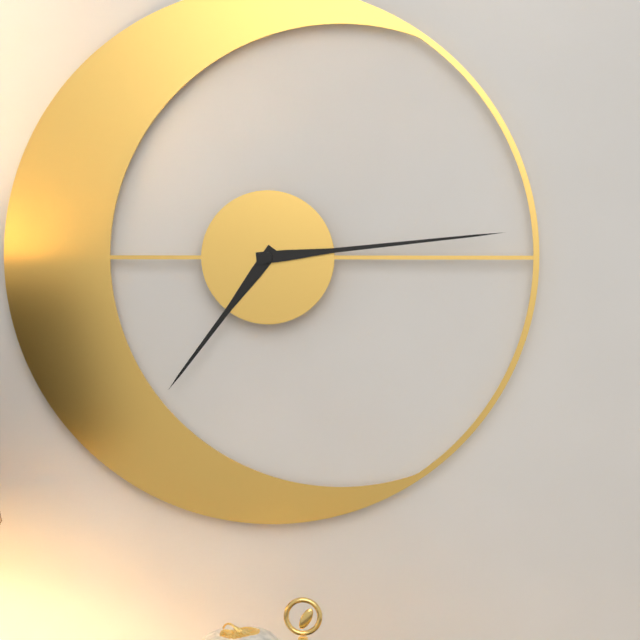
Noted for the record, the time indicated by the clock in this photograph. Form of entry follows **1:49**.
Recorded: **7:14**
